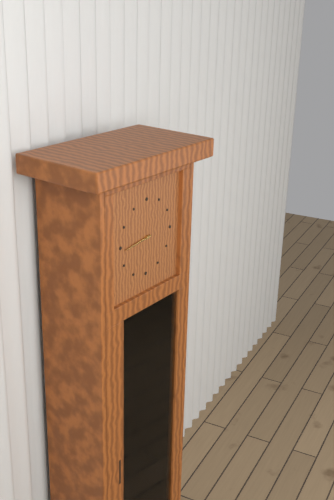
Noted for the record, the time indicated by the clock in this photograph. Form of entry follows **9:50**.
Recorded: **8:44**
